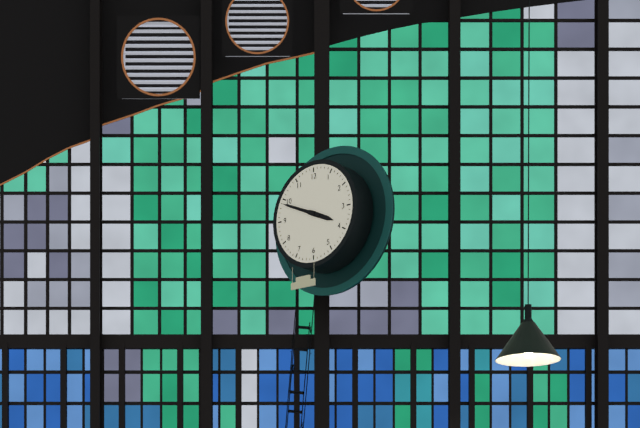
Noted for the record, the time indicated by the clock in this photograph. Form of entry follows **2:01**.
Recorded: **3:49**
